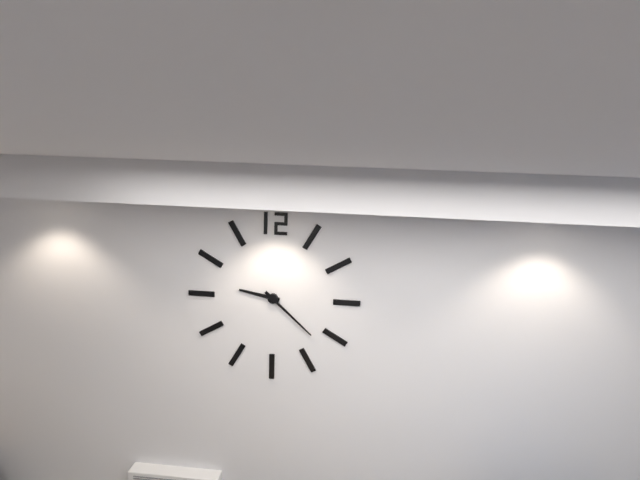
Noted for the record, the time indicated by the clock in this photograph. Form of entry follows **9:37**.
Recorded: **9:22**
